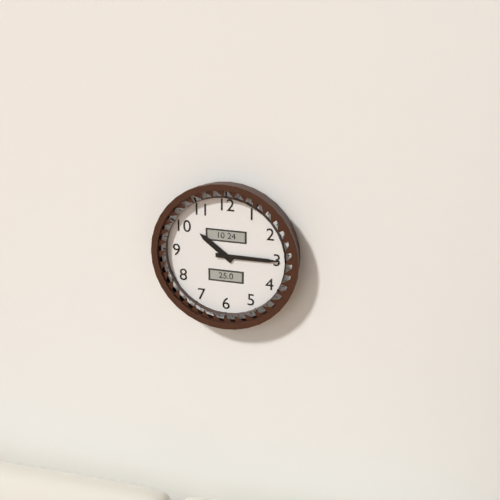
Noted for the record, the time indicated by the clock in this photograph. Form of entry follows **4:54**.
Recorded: **10:15**
